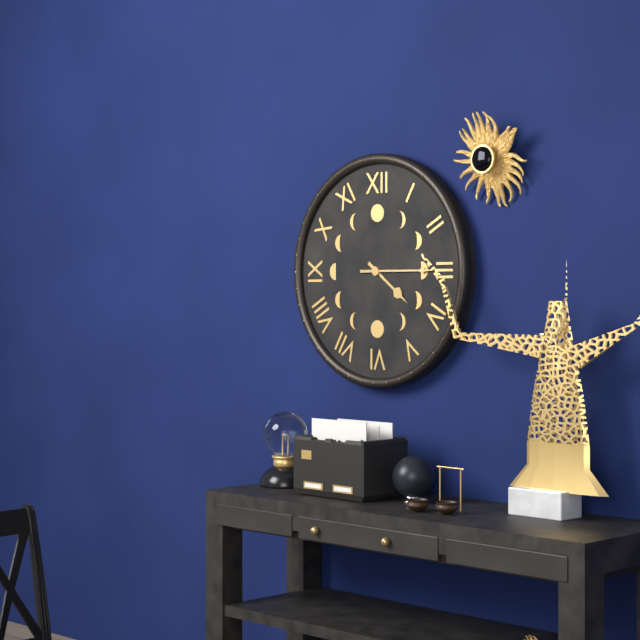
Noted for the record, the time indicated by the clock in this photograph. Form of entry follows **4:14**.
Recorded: **4:15**
